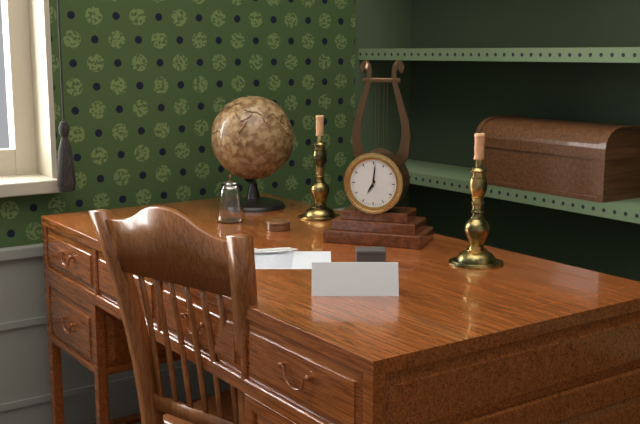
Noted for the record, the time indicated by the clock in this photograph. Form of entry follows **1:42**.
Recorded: **7:01**
